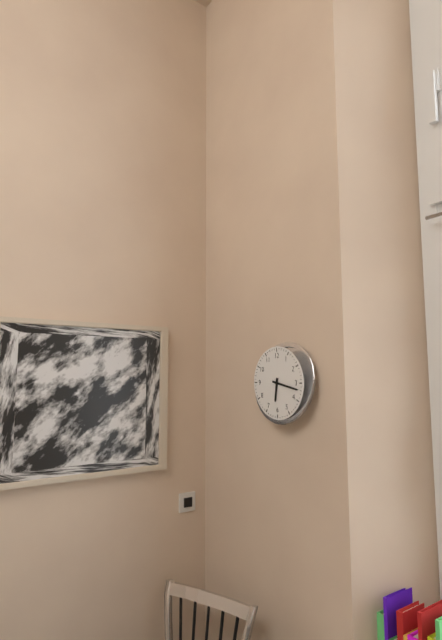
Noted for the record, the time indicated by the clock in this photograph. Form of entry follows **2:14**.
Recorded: **6:17**
